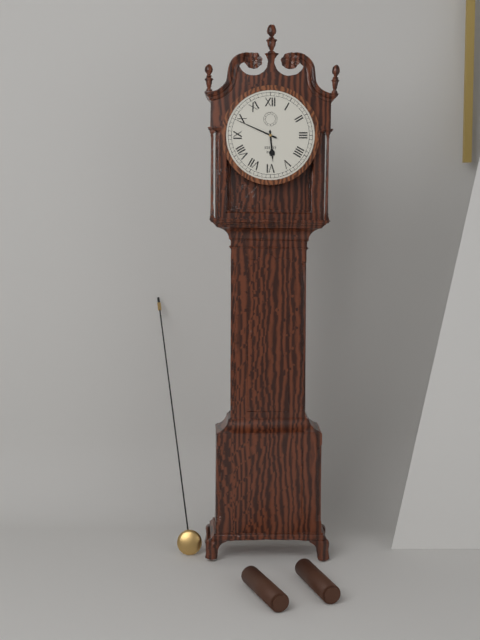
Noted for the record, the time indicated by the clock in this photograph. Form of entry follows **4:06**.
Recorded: **5:49**
